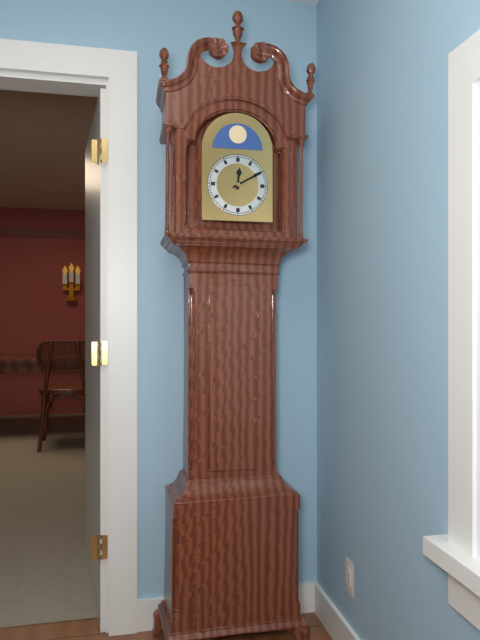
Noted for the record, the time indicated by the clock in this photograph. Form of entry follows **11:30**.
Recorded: **12:10**
